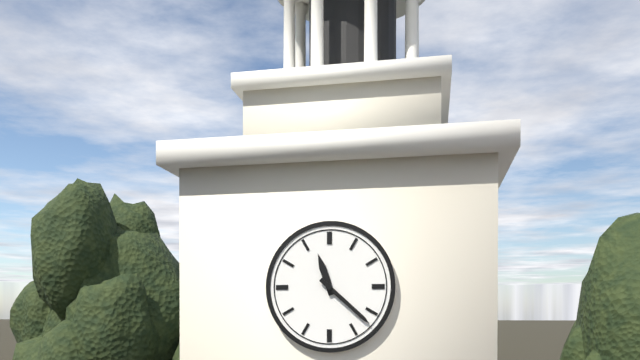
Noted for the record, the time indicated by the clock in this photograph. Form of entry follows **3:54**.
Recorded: **11:22**
